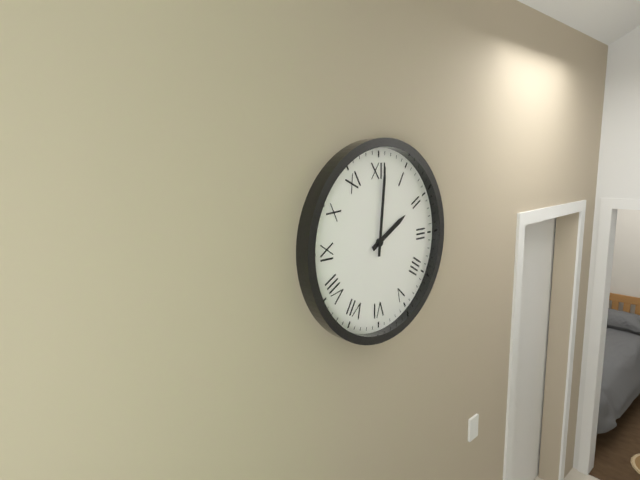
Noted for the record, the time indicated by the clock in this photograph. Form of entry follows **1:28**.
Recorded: **2:01**
